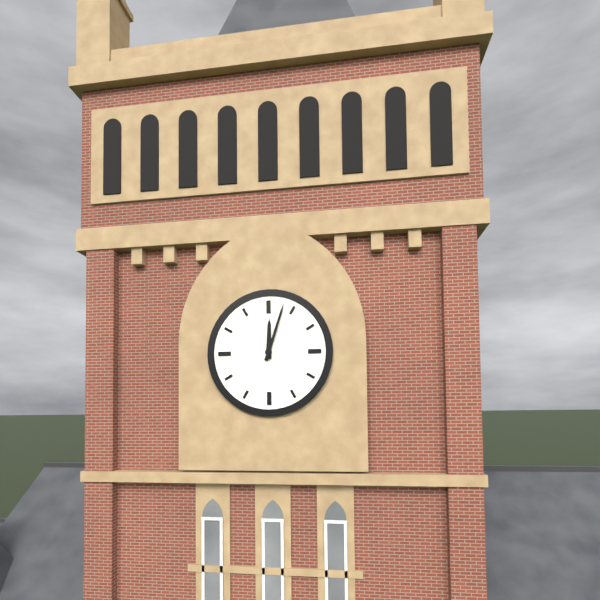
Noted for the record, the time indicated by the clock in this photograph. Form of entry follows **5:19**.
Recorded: **12:03**
